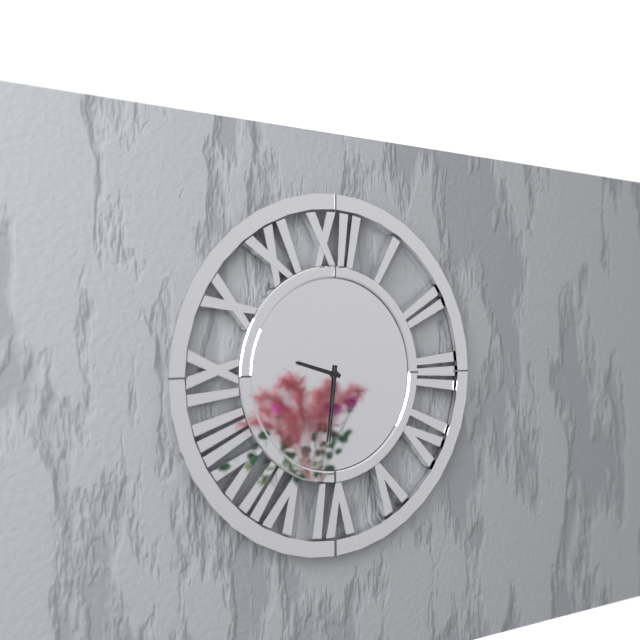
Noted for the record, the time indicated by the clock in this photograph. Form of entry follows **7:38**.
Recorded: **9:31**
